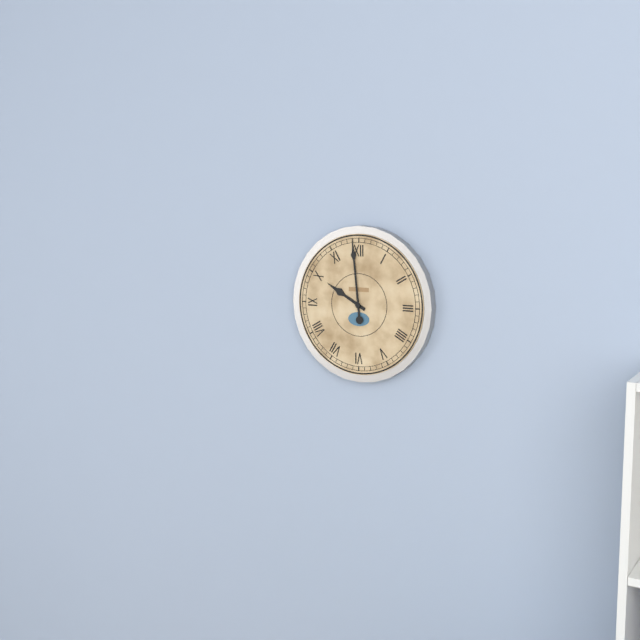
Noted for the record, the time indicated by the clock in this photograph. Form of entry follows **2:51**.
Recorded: **9:59**
